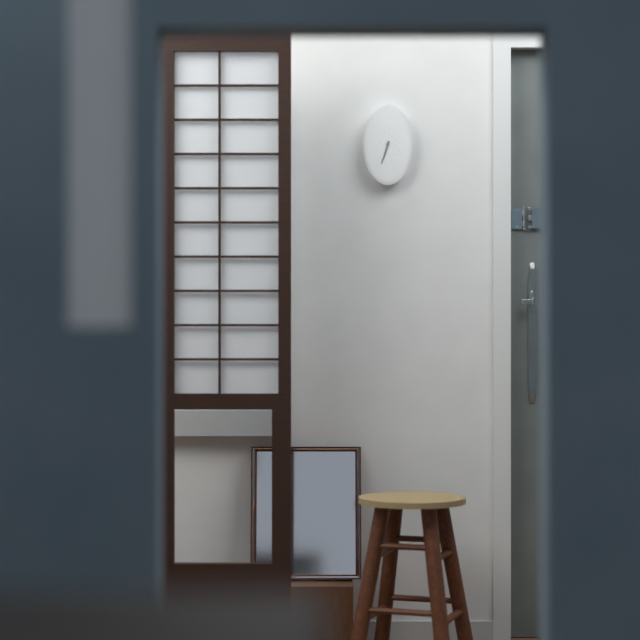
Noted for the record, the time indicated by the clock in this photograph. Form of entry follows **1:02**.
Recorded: **6:33**
